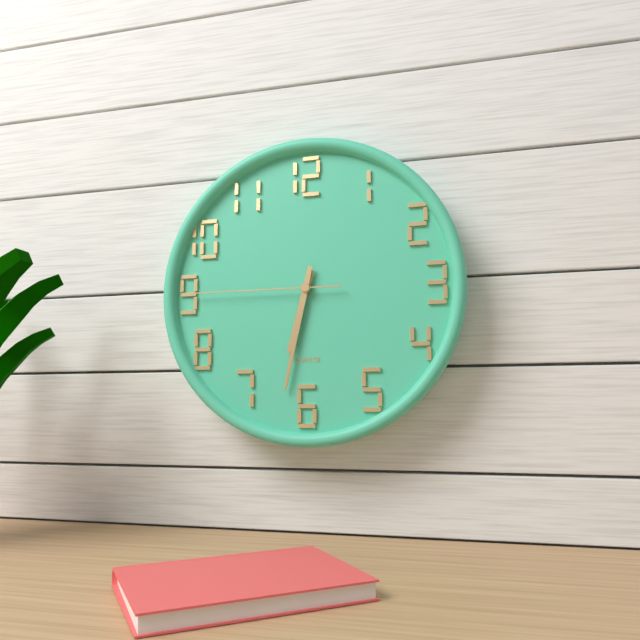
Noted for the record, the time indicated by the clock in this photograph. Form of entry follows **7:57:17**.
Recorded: **6:32:45**
